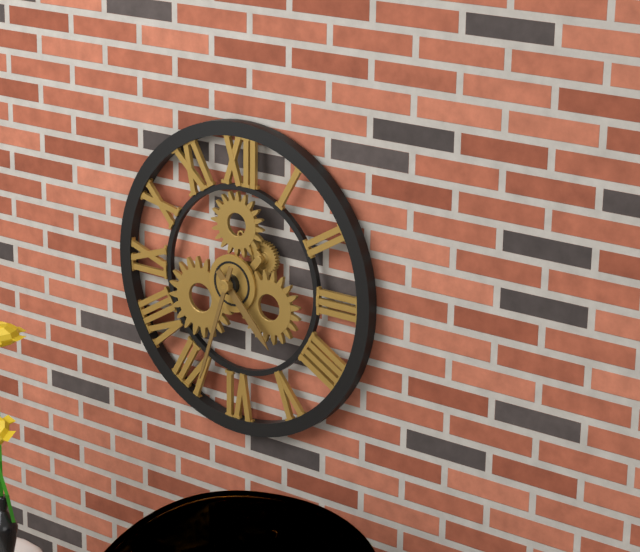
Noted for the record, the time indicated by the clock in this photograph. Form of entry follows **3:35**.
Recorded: **4:33**
